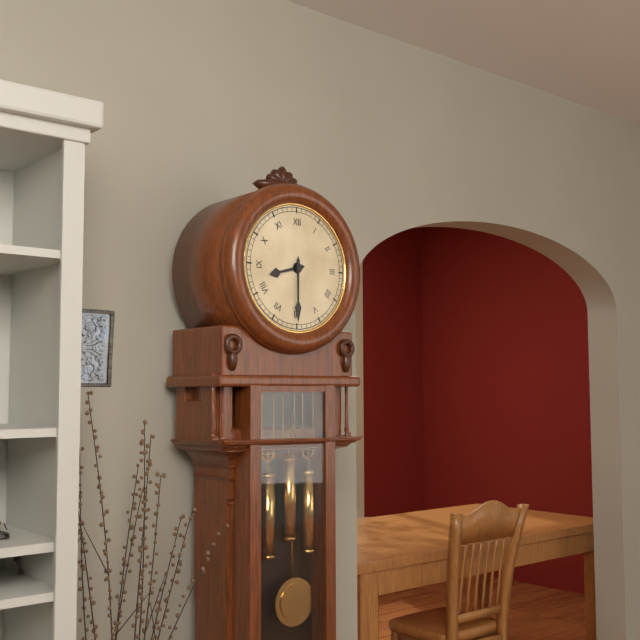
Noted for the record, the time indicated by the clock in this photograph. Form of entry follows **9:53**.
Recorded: **8:30**
